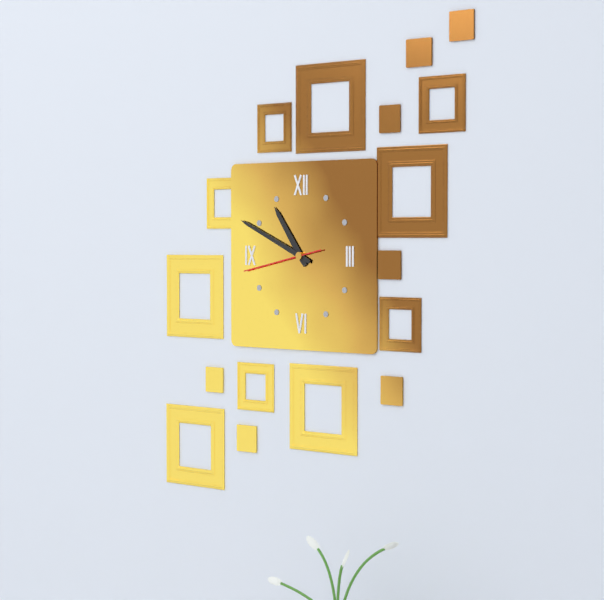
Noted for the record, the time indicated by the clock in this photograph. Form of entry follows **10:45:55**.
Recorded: **10:49:43**
